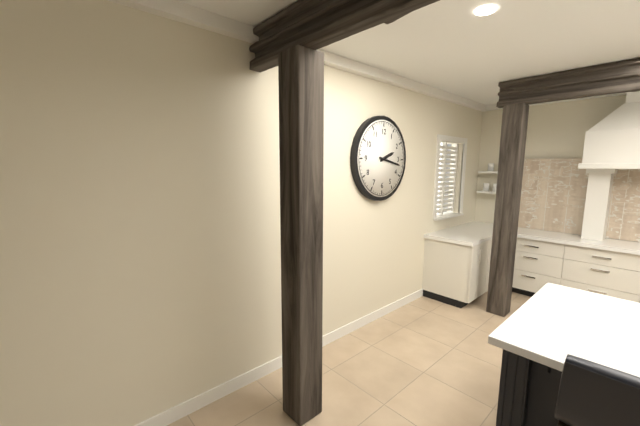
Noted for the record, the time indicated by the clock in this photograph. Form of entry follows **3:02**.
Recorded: **2:17**
